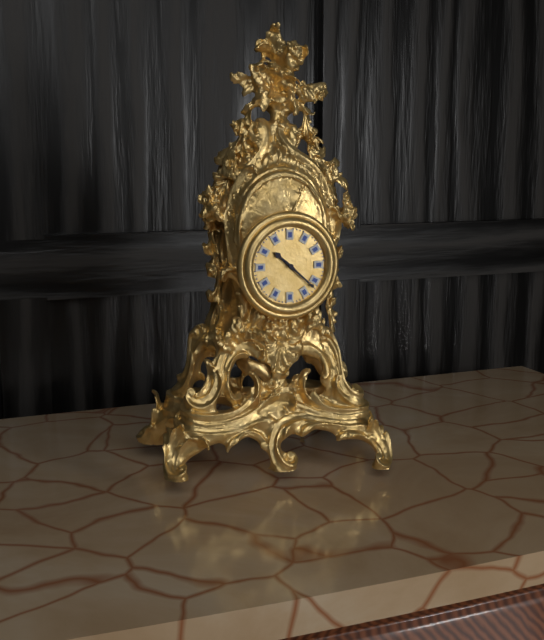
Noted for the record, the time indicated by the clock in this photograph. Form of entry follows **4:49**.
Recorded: **10:22**
